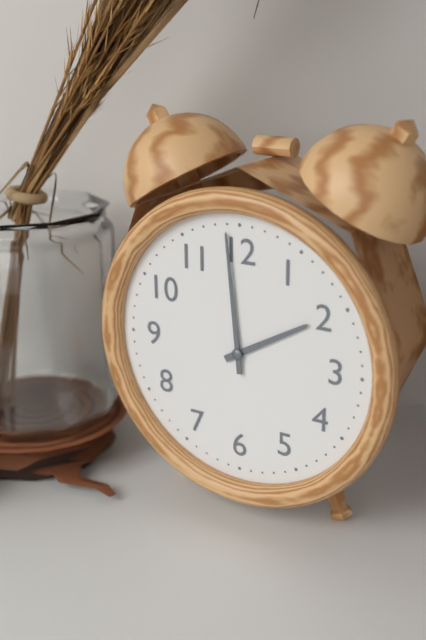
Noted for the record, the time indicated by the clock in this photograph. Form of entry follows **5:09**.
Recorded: **1:59**
